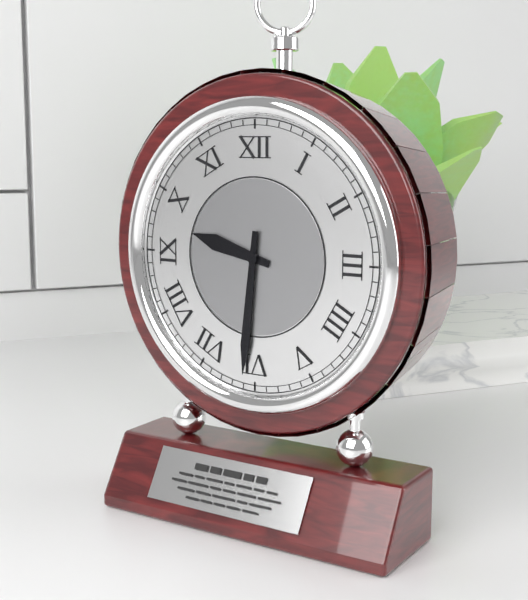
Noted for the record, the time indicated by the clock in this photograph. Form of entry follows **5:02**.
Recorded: **9:31**
